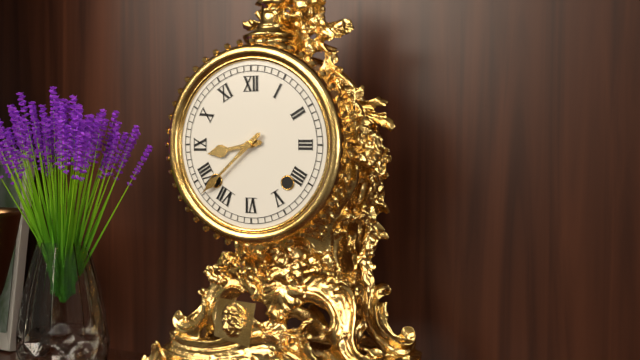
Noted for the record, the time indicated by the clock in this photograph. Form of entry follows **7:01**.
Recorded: **8:38**
